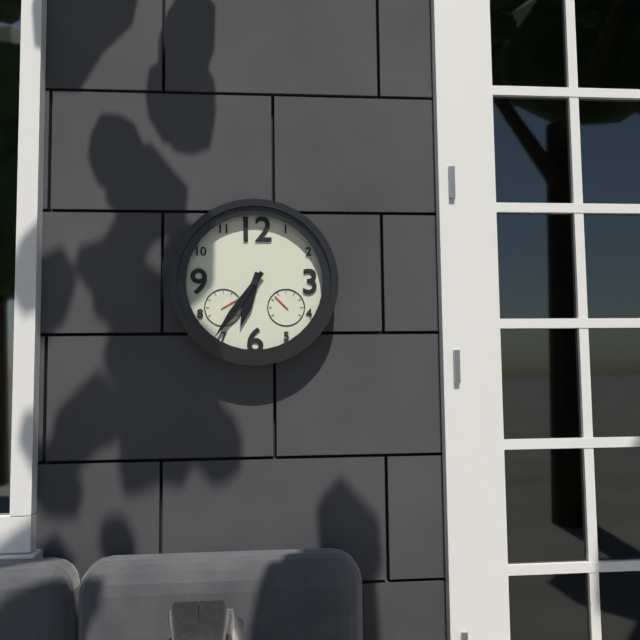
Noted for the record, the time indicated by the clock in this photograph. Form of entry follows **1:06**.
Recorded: **6:36**
